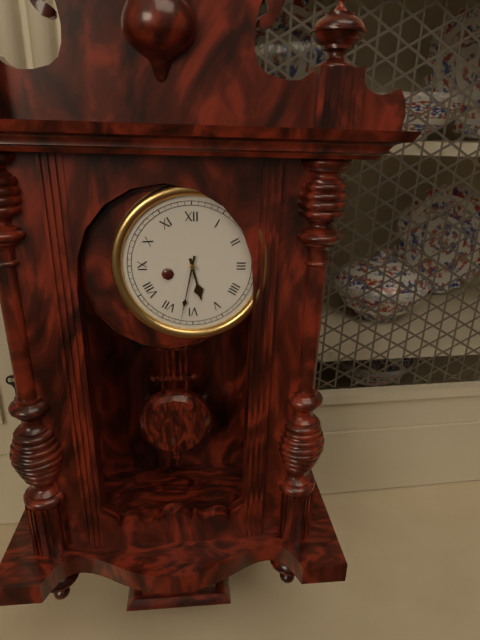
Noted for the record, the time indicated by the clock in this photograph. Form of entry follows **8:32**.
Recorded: **5:32**
